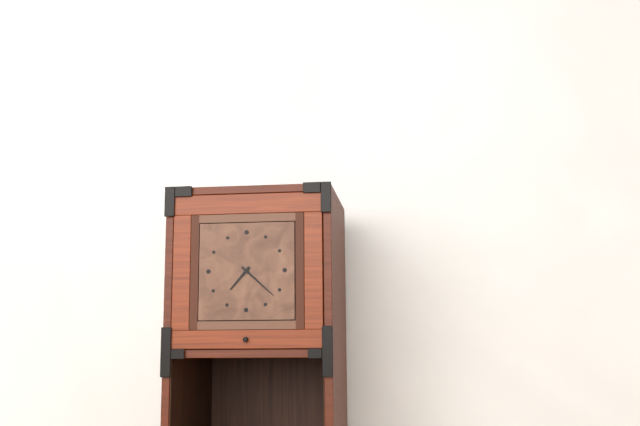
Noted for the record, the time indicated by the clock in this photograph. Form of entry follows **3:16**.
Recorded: **7:22**
